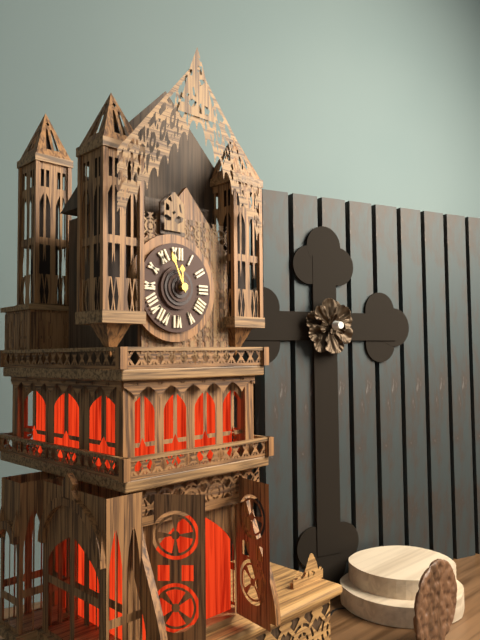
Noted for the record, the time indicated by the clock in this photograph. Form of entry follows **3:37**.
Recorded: **11:56**
